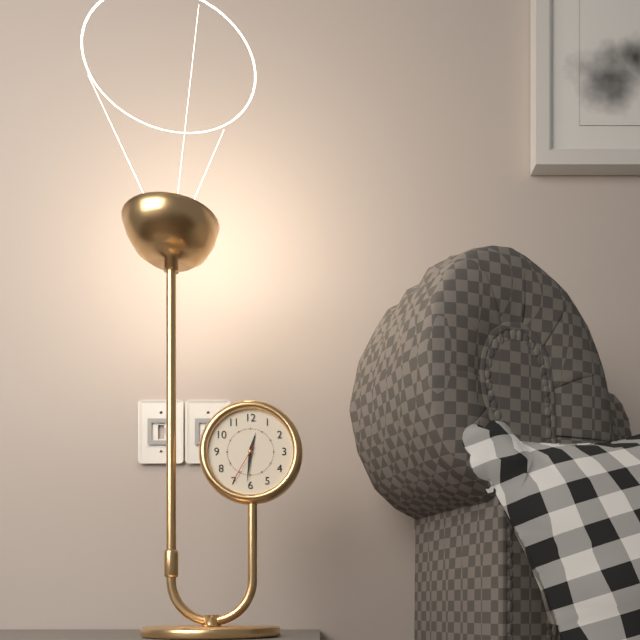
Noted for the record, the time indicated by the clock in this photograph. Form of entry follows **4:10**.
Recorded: **12:31**
